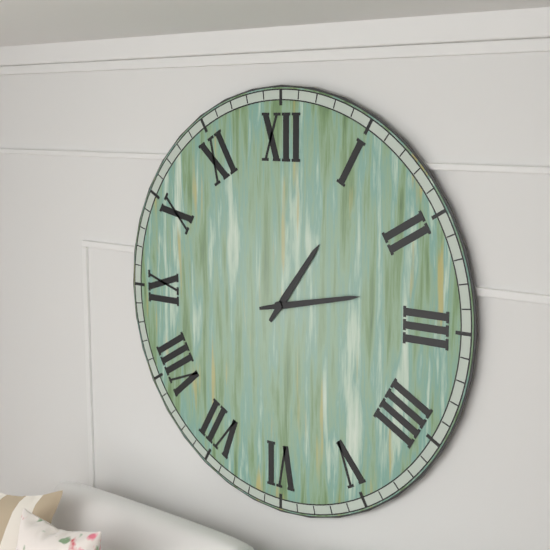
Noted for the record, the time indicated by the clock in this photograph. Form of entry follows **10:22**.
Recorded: **1:13**
